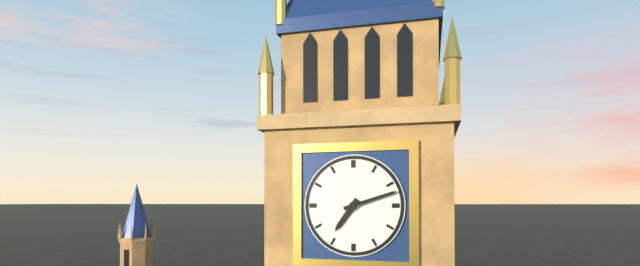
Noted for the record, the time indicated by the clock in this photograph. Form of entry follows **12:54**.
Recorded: **7:12**
